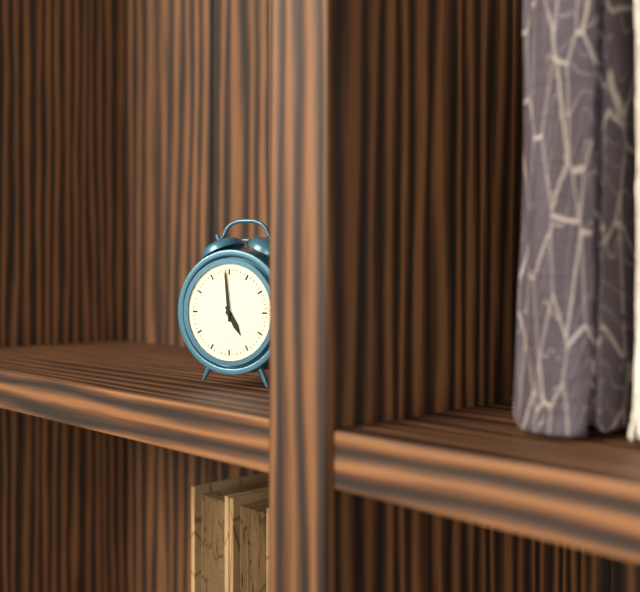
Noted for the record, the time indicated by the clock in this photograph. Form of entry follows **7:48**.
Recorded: **4:59**
